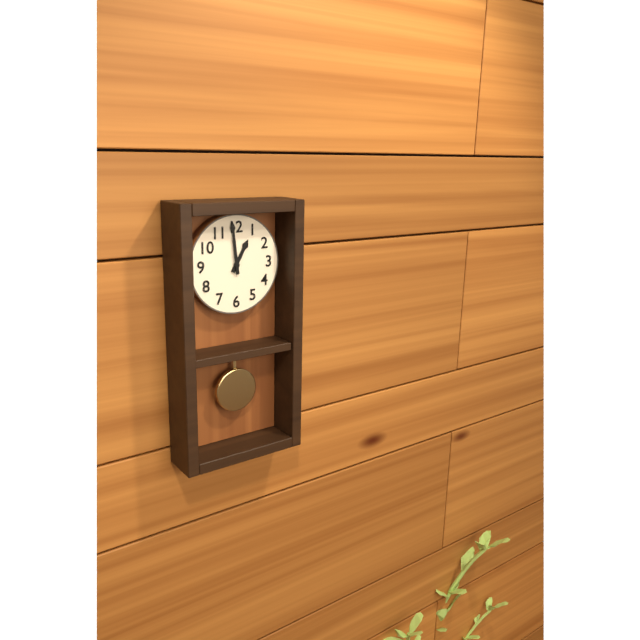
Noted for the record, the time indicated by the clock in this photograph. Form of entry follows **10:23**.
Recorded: **12:59**
